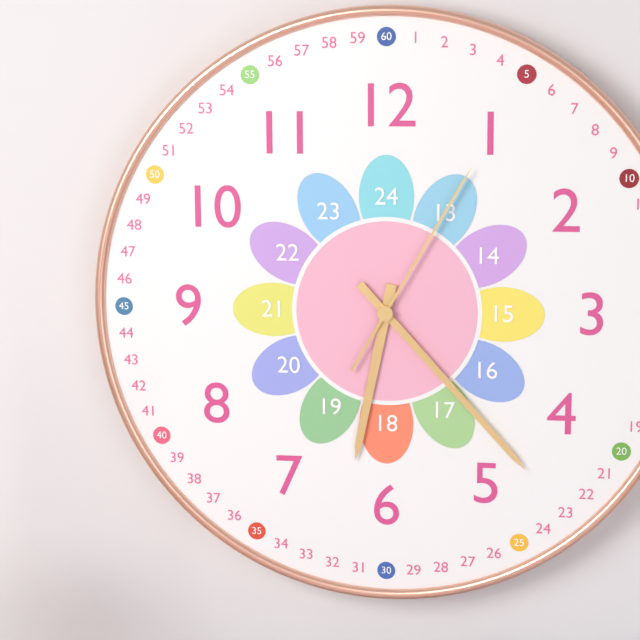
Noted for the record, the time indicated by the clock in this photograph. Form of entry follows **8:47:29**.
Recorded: **6:23:05**
